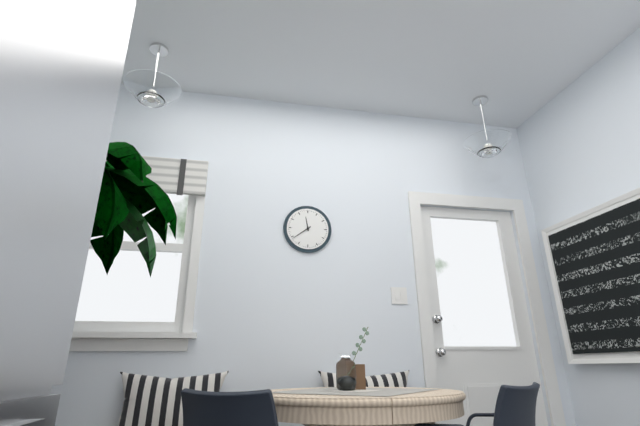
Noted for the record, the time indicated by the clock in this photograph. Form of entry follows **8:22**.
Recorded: **11:39**
